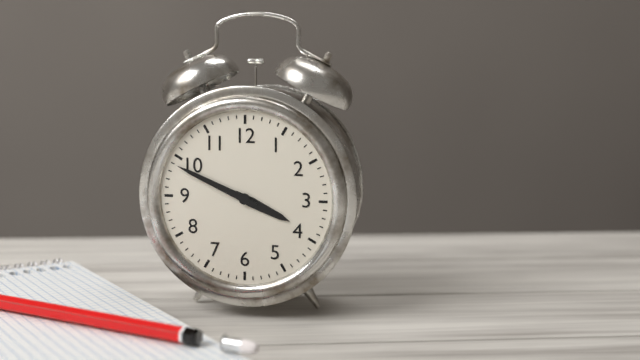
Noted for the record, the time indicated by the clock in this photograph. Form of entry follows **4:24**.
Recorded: **3:49**
